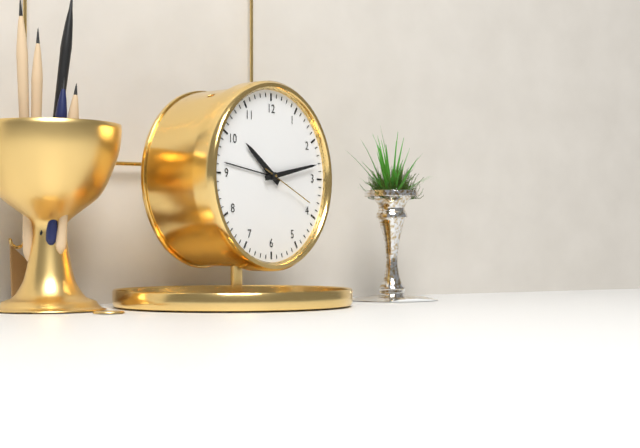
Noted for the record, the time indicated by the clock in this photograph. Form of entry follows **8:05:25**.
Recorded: **10:13:19**
